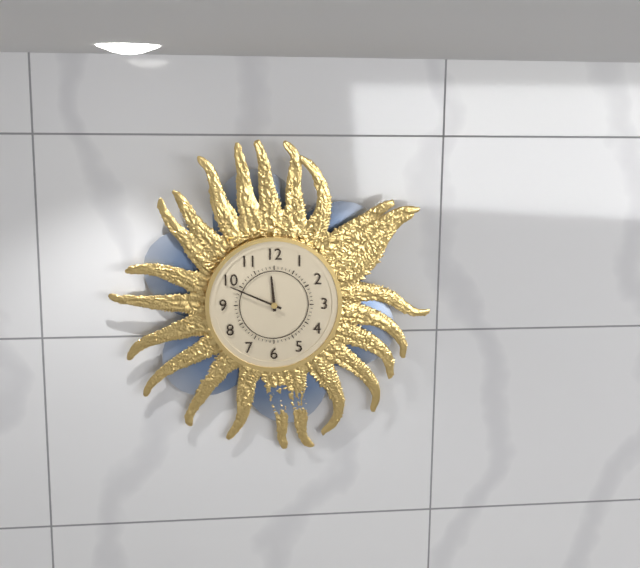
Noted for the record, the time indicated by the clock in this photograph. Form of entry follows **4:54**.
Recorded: **11:49**
